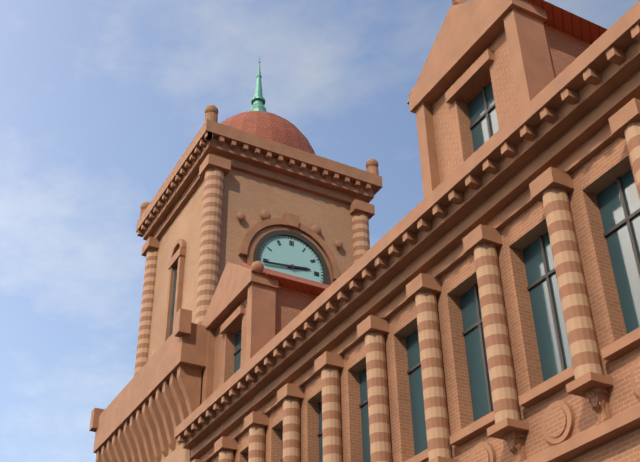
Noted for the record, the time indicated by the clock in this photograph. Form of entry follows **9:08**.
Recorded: **2:44**
